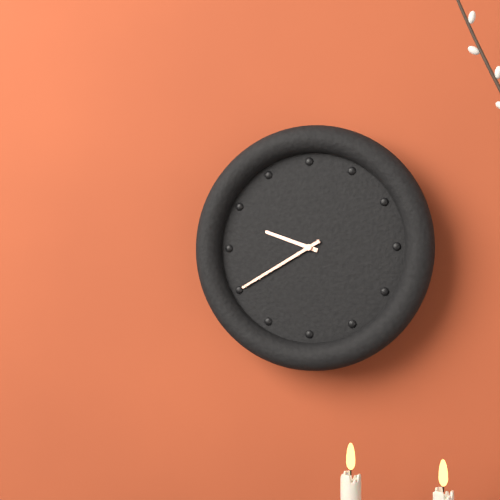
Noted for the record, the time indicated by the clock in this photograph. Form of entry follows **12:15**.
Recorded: **9:40**
